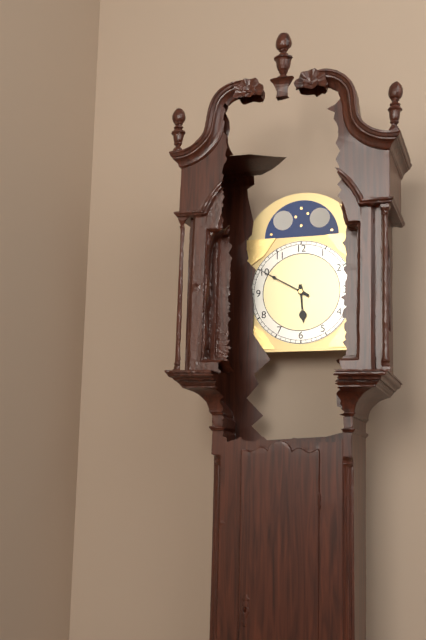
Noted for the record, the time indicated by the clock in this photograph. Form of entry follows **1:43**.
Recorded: **5:50**
